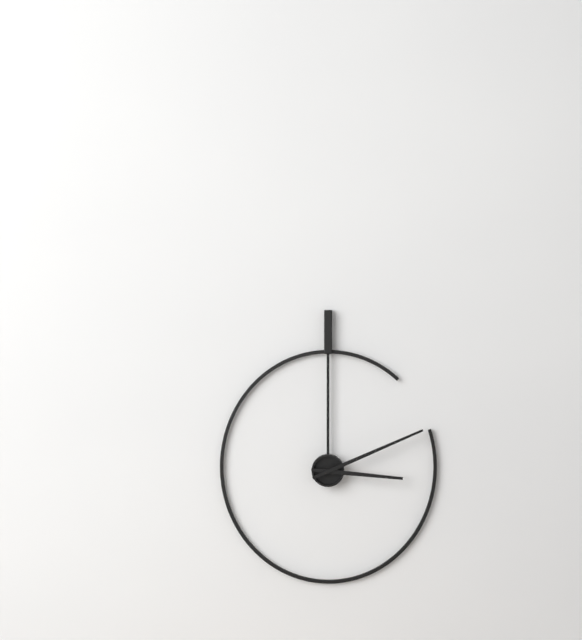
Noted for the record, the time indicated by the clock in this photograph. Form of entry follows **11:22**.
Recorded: **3:11**
